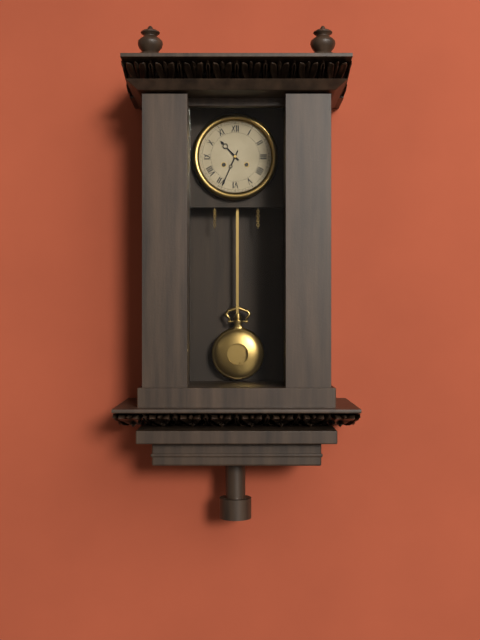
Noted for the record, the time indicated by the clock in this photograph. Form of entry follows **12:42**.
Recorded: **10:34**
